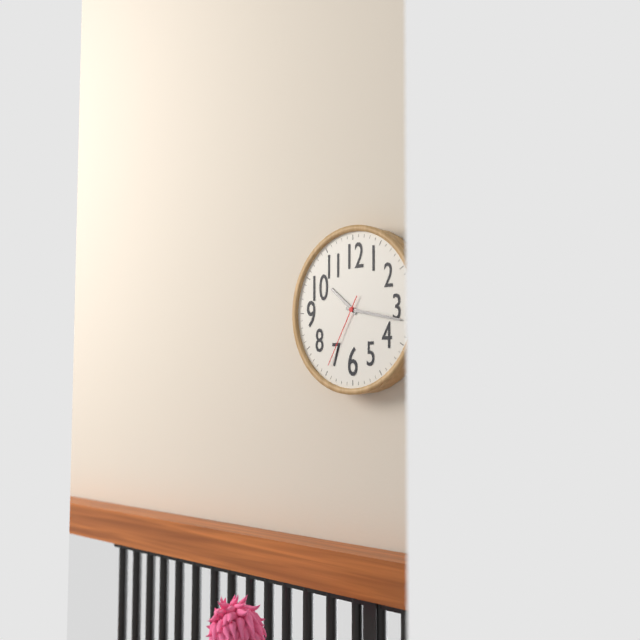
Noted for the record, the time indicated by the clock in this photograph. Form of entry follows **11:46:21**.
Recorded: **10:17:35**
